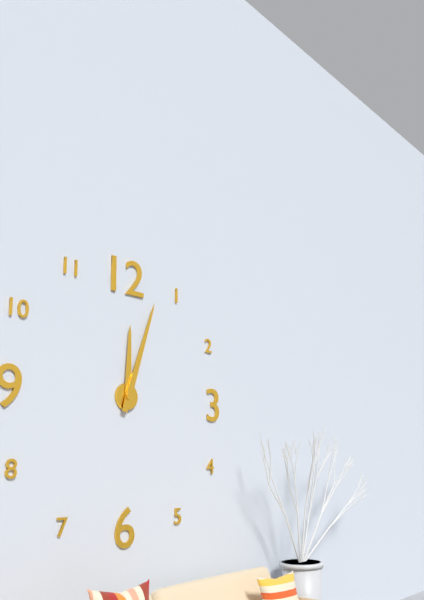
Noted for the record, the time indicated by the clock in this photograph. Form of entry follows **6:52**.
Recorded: **12:03**
